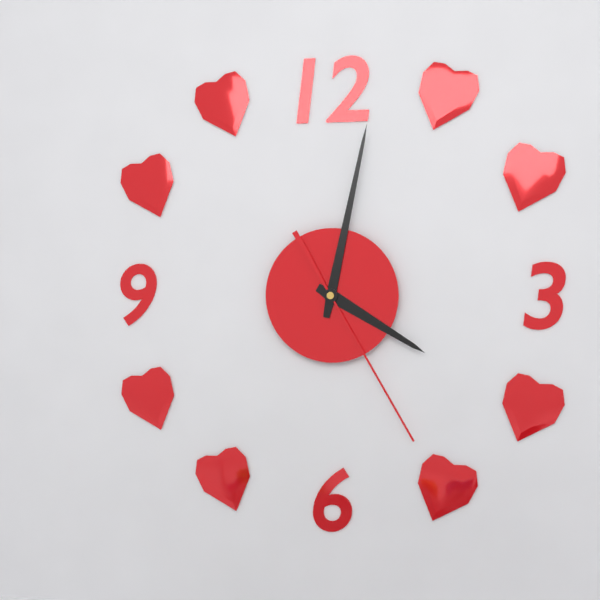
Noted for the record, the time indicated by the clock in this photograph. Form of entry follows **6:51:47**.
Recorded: **4:02:25**
